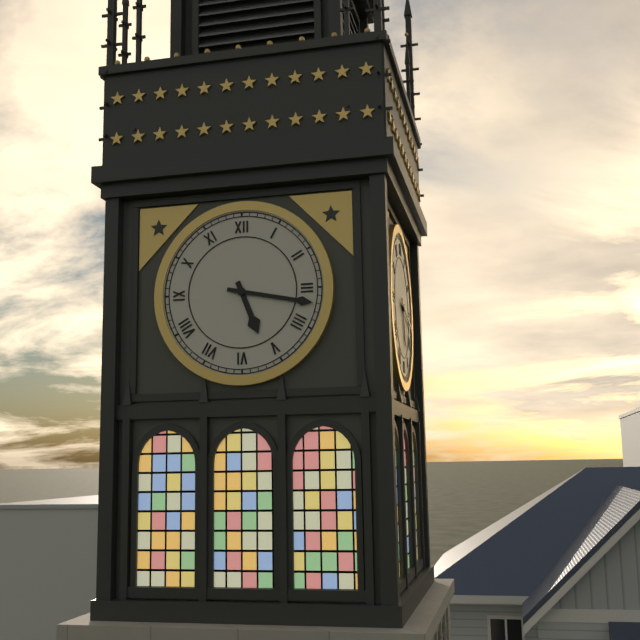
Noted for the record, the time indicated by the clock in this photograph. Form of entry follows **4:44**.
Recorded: **5:17**
